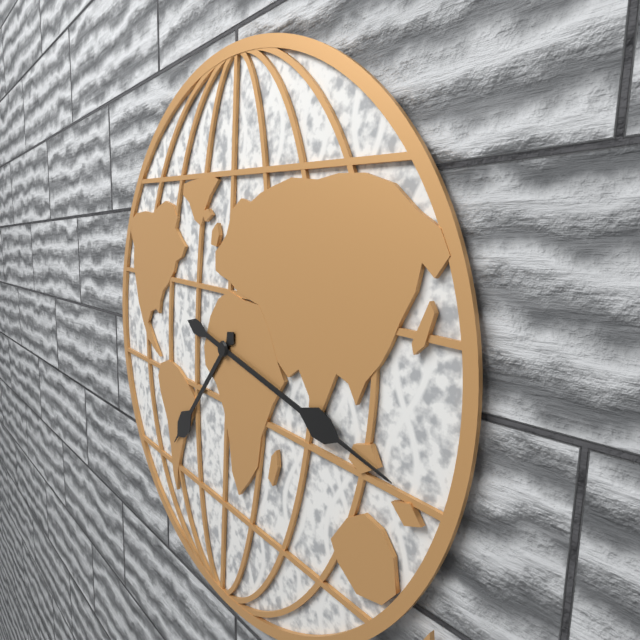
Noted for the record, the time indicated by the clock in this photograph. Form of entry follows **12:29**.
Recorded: **7:17**
